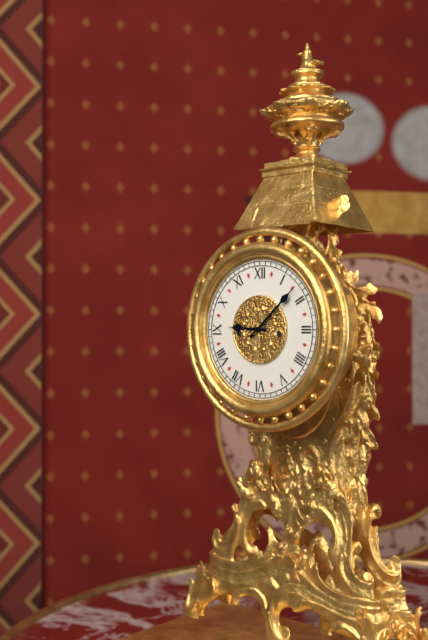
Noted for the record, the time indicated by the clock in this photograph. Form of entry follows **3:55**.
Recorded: **9:08**
